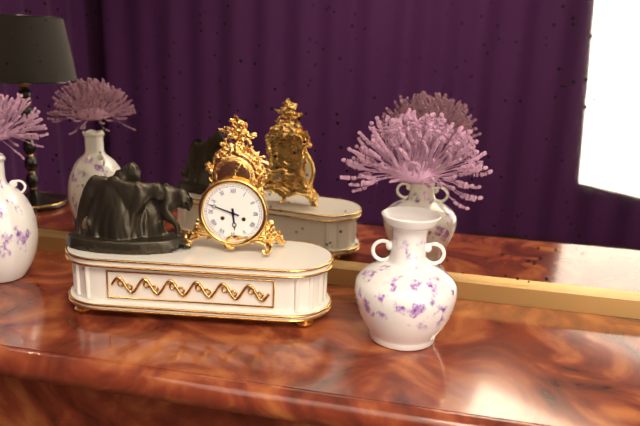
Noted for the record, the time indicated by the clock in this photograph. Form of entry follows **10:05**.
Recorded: **5:48**
